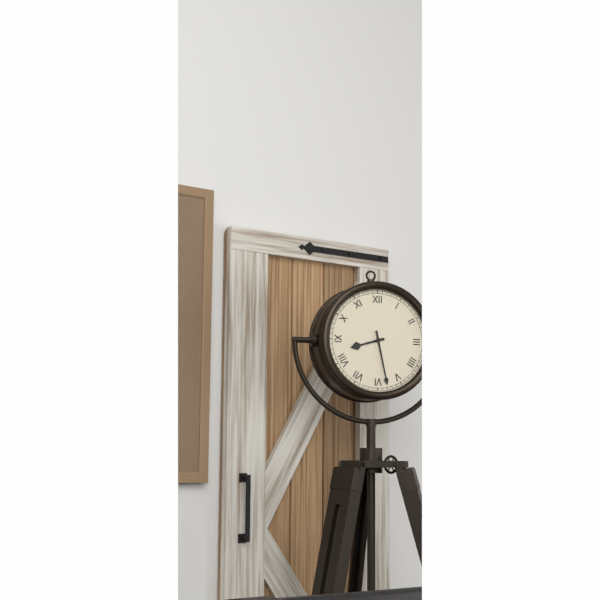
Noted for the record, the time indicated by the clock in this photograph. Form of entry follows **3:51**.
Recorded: **8:28**
